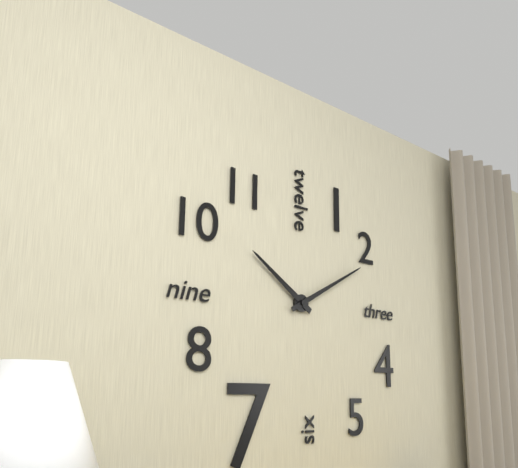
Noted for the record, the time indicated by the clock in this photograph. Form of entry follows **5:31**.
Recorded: **10:10**
